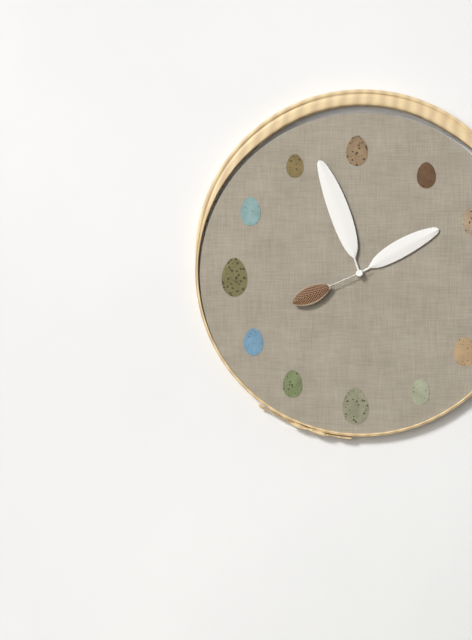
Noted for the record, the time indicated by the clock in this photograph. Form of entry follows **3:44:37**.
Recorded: **1:57:41**
